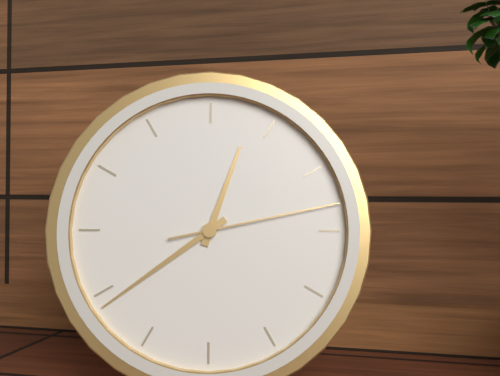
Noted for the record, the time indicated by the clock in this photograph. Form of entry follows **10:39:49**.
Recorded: **12:39:13**
